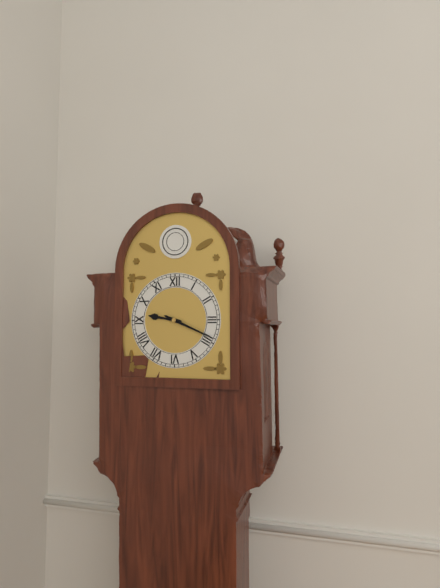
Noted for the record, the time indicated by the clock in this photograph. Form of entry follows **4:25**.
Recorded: **9:19**
